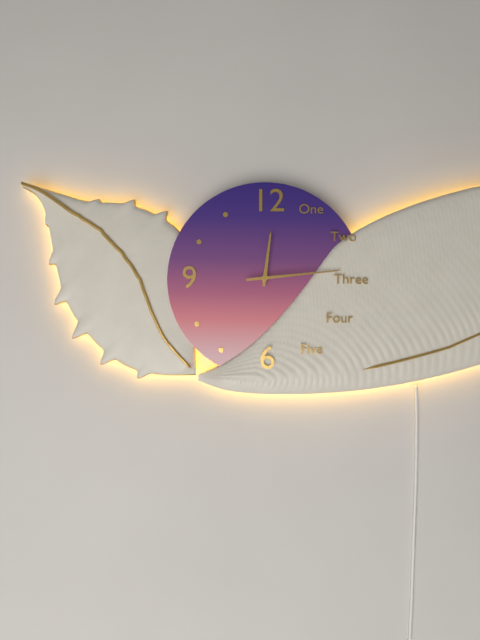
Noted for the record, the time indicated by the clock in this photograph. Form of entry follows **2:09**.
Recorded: **12:14**
